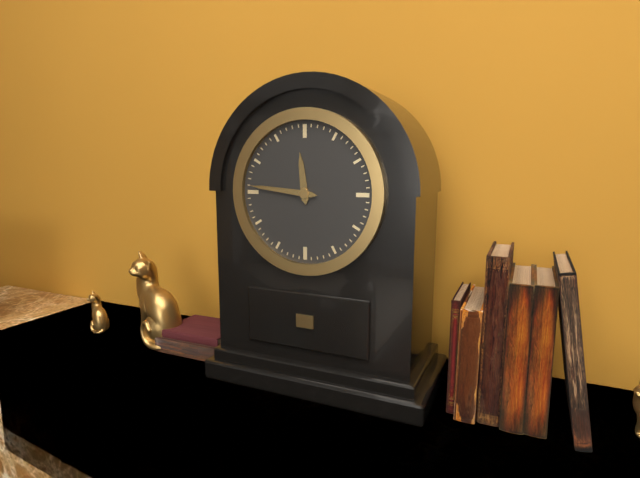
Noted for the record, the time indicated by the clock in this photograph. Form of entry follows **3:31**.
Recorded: **11:46**
